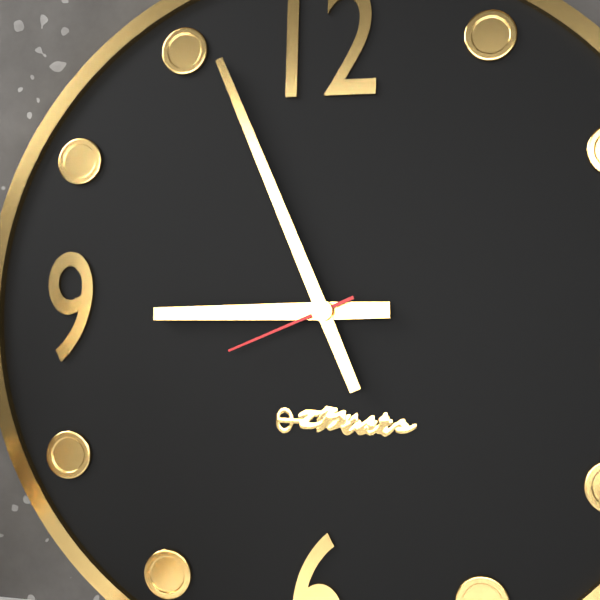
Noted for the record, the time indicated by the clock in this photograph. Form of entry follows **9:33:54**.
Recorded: **8:56:41**
